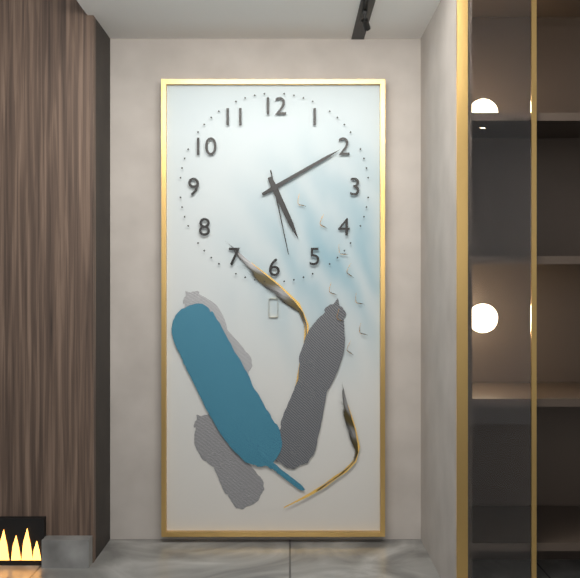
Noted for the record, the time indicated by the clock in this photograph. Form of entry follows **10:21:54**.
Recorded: **5:10:28**
